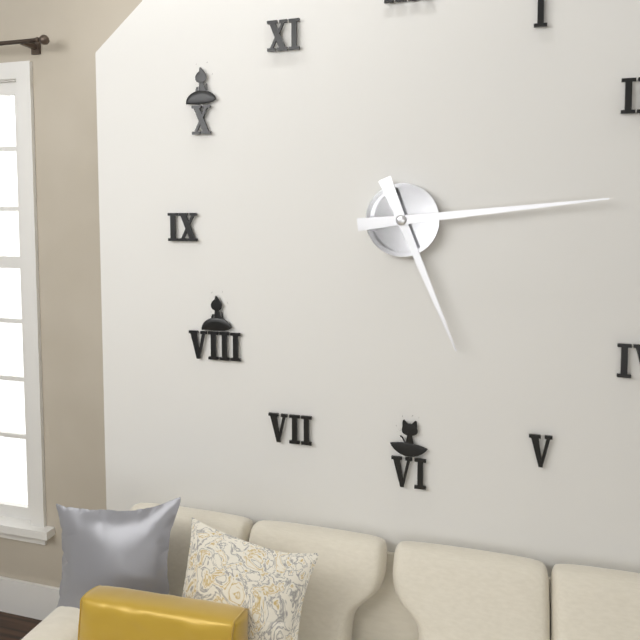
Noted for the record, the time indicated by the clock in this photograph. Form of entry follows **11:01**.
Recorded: **5:14**
